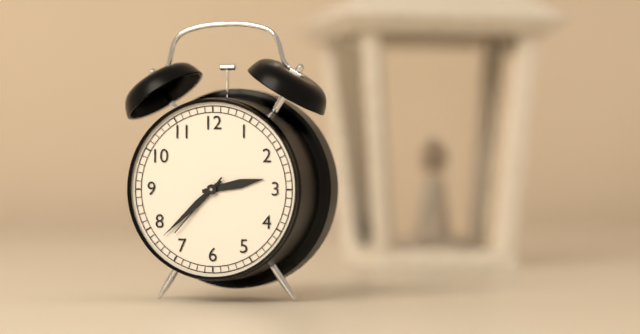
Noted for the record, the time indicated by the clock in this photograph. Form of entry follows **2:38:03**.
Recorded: **2:38:37**
